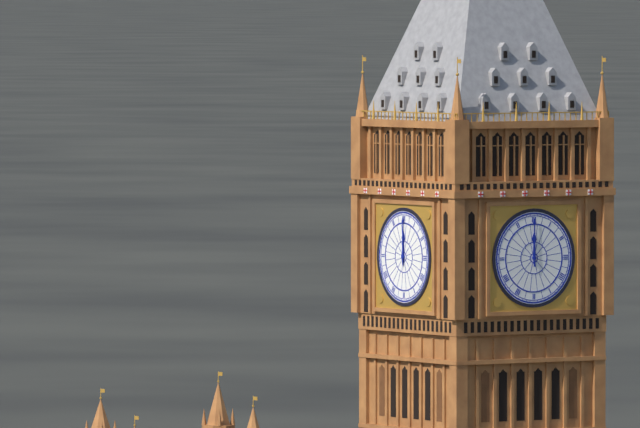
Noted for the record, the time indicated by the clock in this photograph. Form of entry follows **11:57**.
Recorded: **12:00**
